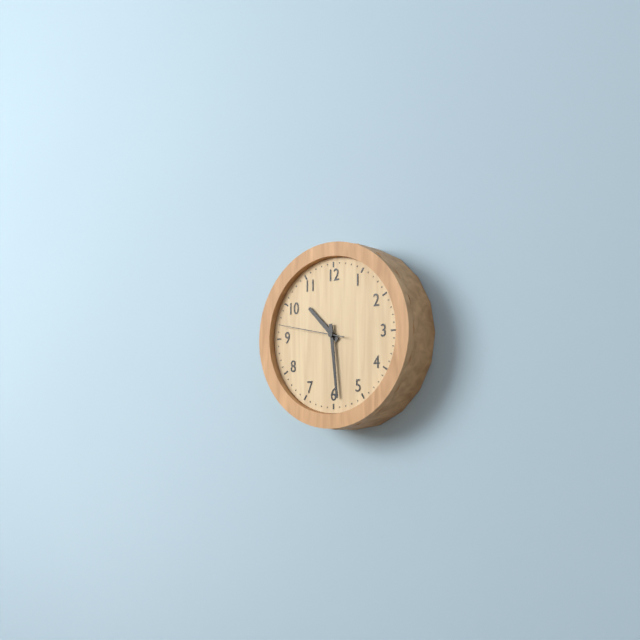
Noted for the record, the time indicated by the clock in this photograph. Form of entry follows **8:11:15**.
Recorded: **10:29:47**
